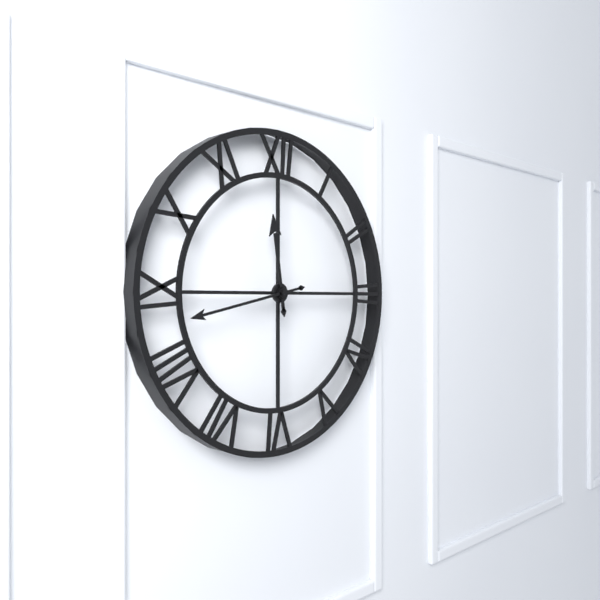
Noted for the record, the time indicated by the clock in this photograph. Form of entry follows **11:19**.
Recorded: **11:43**
